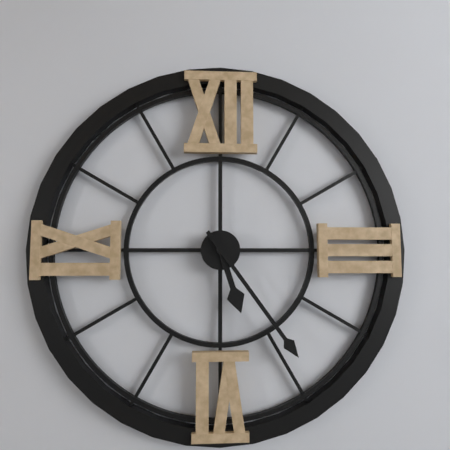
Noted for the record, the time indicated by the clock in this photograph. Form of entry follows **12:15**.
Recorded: **5:24**
